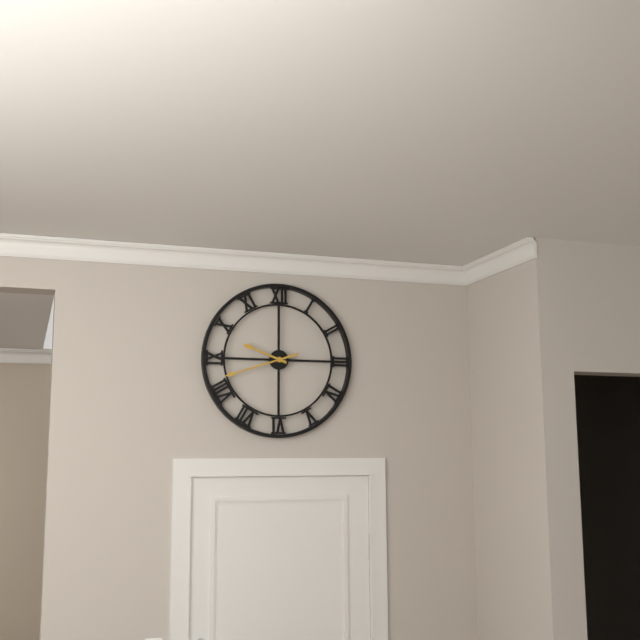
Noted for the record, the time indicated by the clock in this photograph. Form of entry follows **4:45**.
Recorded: **9:42**
